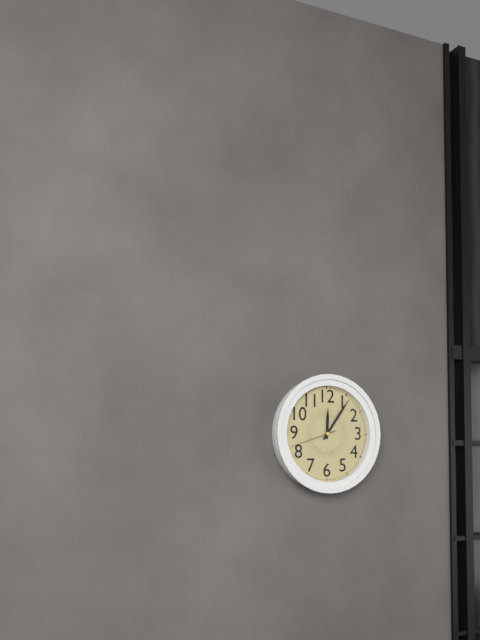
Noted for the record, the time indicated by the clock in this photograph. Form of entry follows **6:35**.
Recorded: **12:06**
